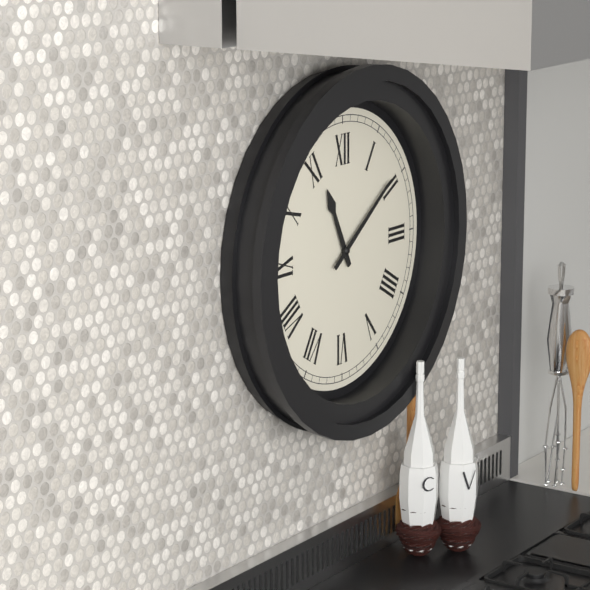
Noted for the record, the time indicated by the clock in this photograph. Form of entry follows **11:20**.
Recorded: **11:09**
